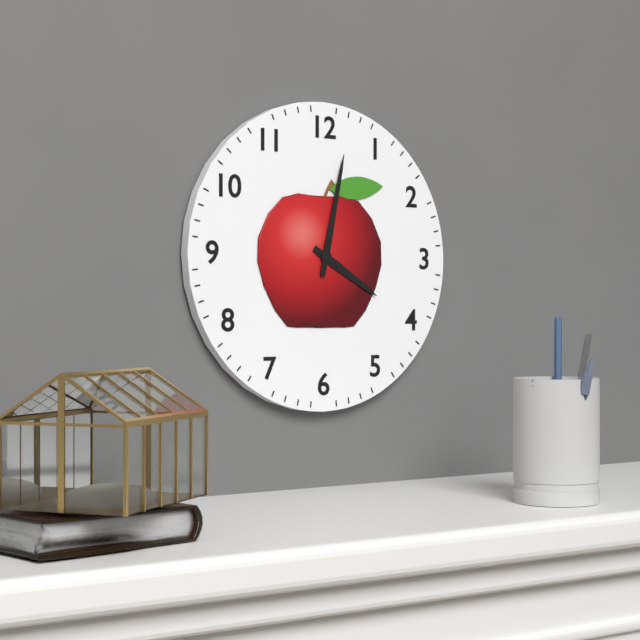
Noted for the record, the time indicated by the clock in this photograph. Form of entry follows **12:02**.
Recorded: **4:02**
